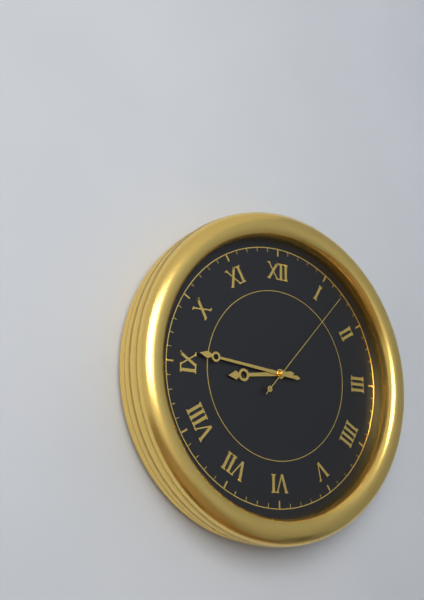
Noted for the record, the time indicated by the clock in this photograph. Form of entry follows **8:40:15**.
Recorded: **8:46:07**
